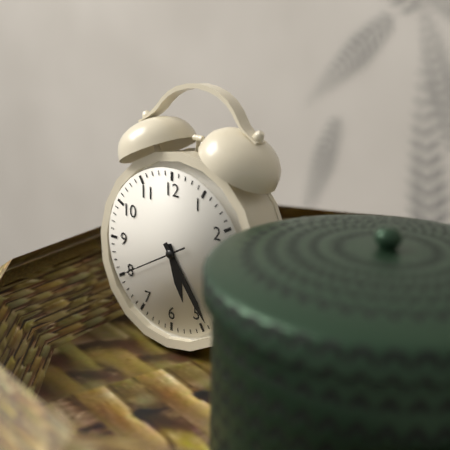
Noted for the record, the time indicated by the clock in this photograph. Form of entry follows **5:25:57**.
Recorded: **5:24:40**
